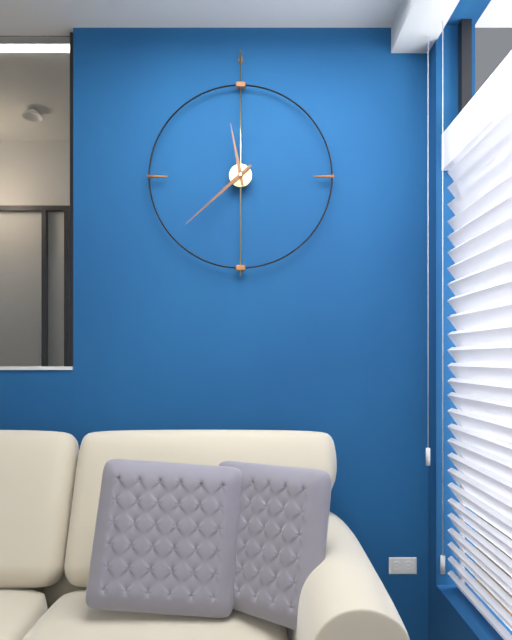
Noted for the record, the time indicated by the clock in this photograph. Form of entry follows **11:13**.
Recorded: **11:38**
